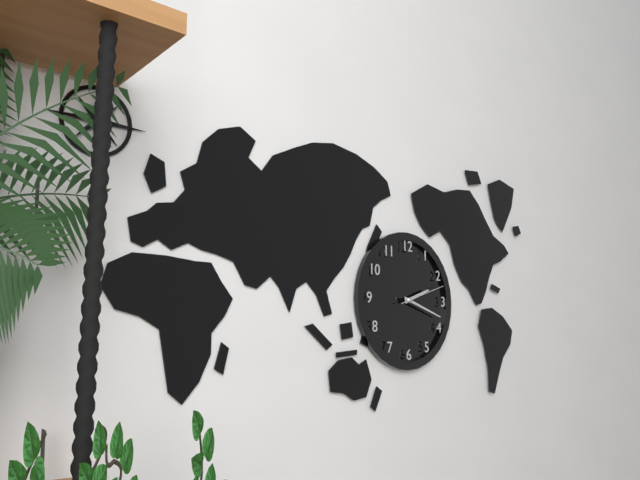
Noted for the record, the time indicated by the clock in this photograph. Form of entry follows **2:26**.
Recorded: **2:18**
